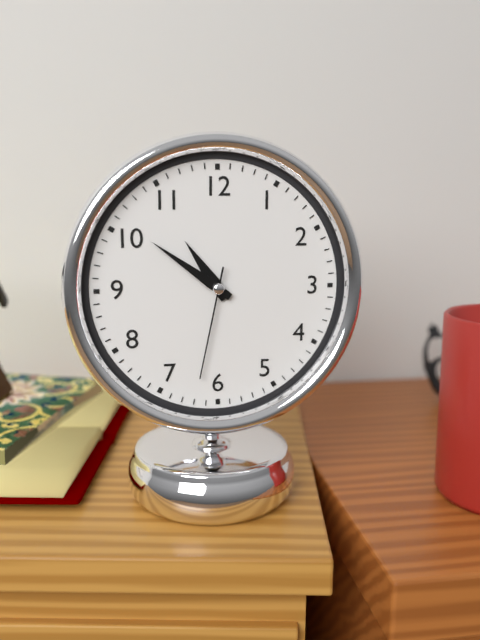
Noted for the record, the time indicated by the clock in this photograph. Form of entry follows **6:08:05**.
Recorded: **10:51:32**
